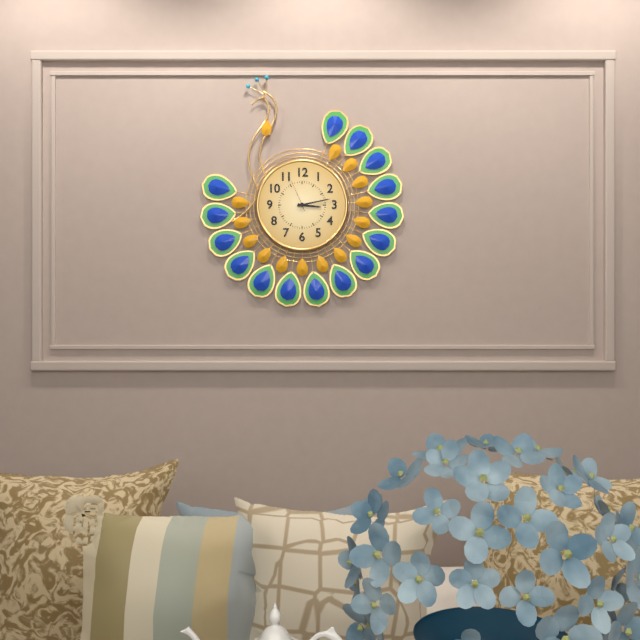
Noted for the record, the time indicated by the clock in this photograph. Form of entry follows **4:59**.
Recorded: **3:13**
